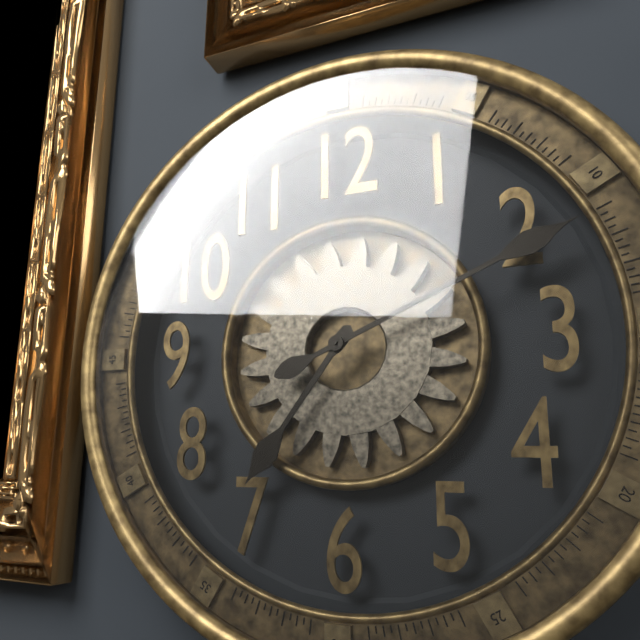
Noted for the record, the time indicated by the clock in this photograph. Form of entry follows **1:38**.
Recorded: **7:11**
